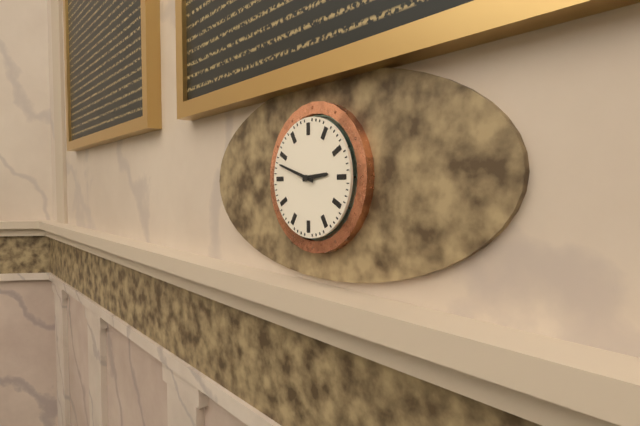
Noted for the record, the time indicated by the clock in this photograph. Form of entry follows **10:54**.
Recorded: **2:48**
